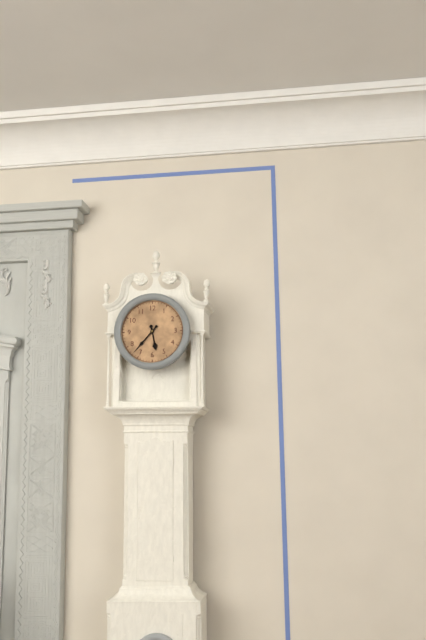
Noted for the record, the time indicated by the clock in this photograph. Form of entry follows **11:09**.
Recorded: **5:37**
